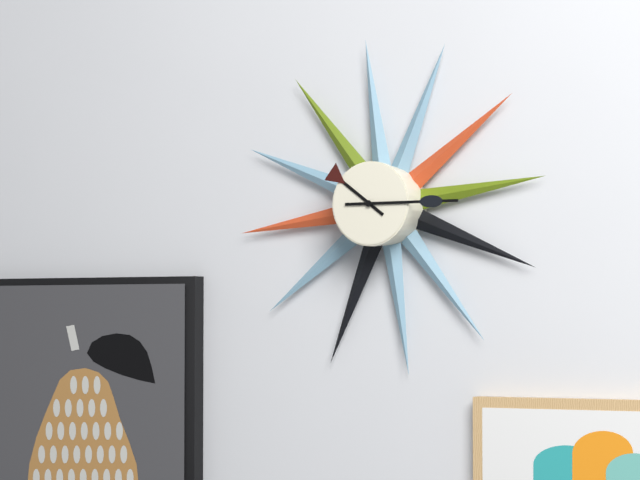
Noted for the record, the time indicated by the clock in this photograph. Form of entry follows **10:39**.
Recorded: **10:15**
